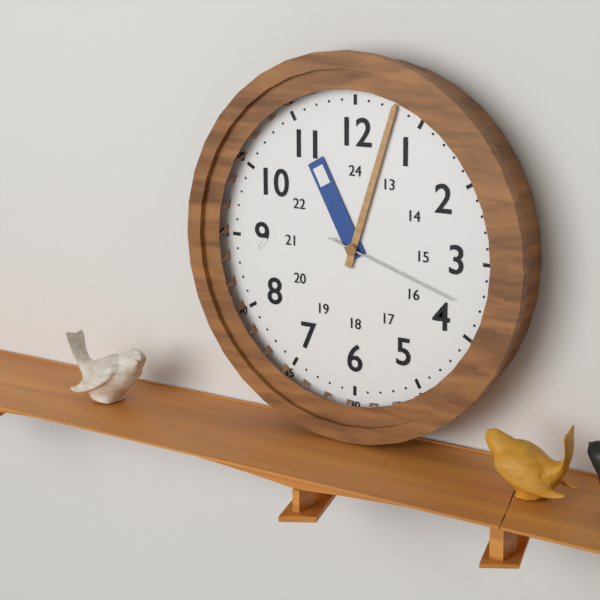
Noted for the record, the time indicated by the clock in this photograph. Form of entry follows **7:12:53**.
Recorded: **11:03:18**
